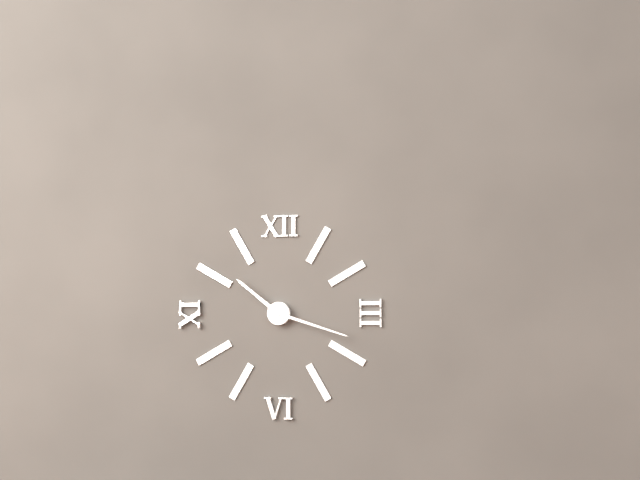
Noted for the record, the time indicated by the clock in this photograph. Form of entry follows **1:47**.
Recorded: **10:18**
